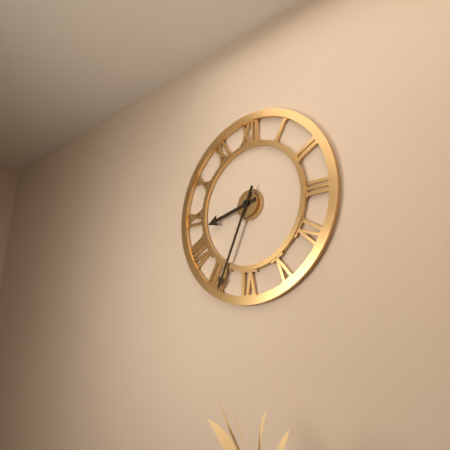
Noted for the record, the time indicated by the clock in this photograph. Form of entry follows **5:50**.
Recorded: **8:34**
